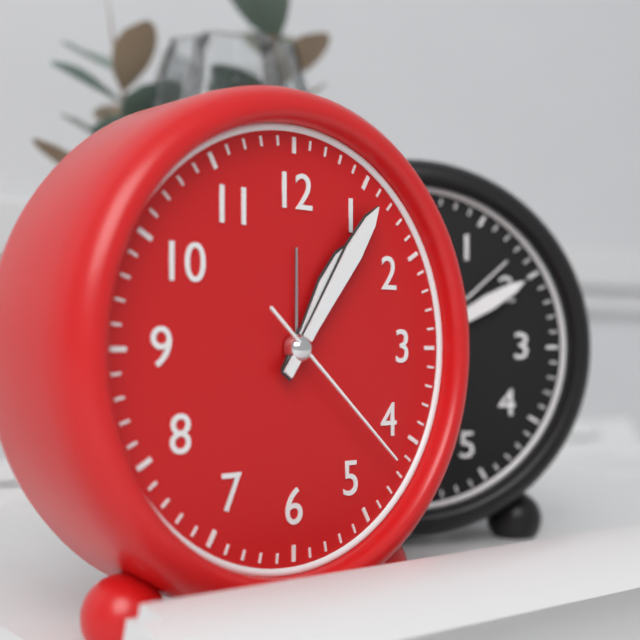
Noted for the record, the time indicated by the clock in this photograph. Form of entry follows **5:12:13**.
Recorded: **1:06:22**
